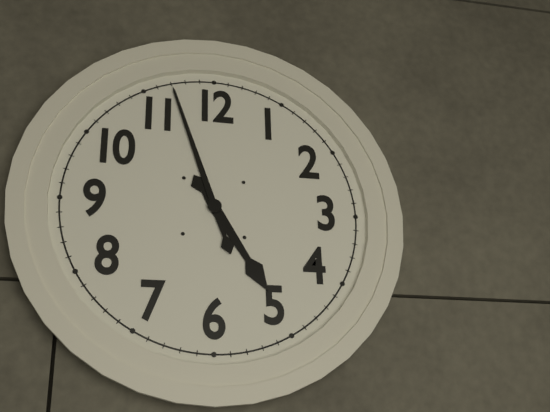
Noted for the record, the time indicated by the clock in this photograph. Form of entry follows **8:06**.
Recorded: **4:57**
